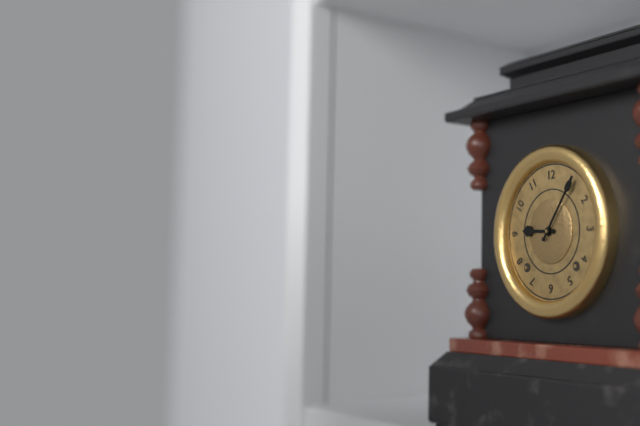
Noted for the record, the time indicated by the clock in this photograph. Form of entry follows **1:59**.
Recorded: **9:06**
